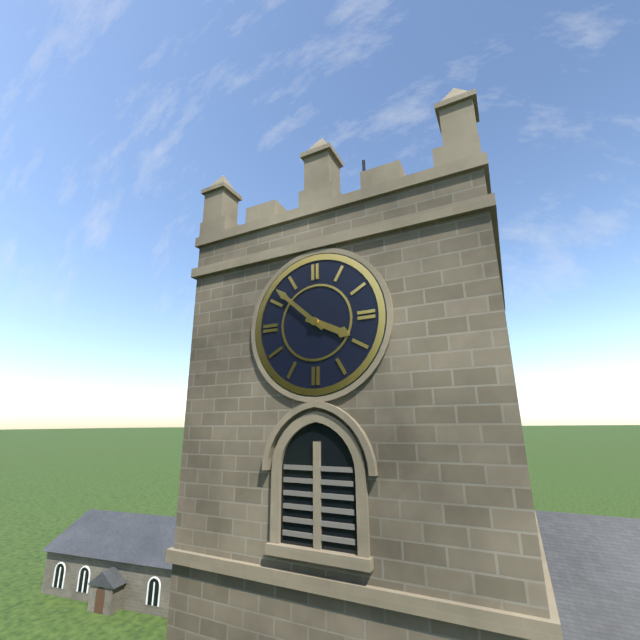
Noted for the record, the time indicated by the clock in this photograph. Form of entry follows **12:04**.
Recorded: **3:52**
